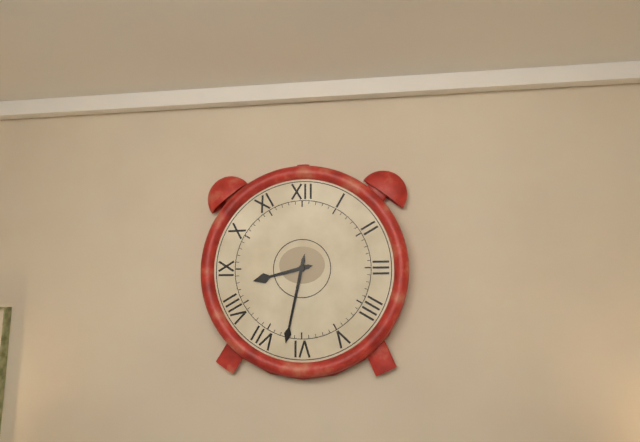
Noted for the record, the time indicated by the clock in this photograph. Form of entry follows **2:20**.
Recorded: **8:32**
